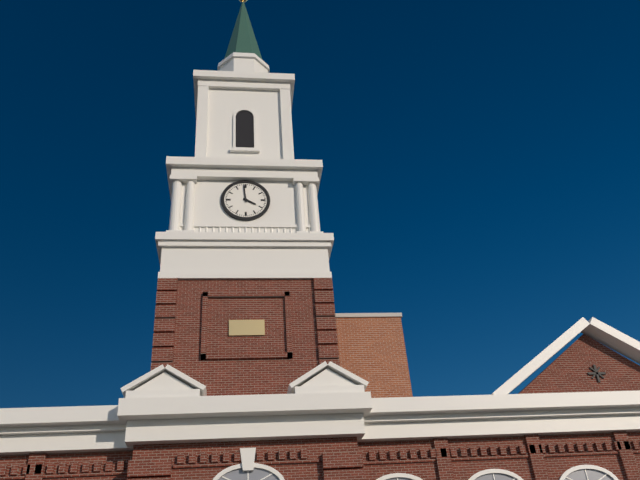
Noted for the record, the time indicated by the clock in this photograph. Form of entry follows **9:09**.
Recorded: **3:59**
